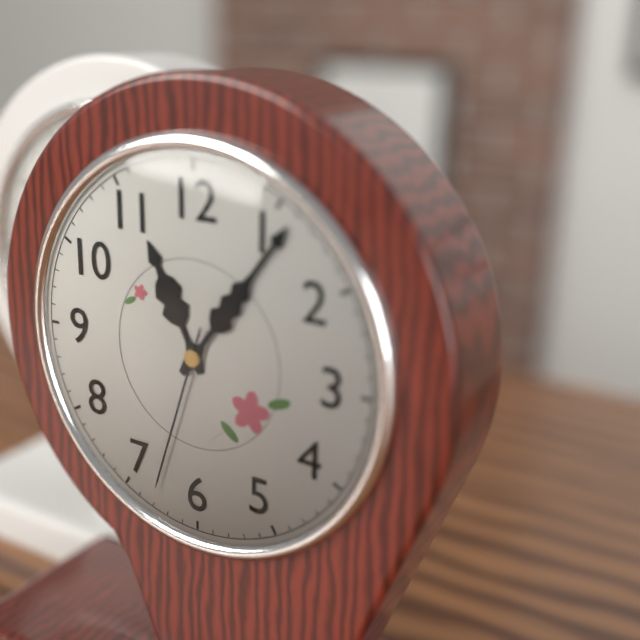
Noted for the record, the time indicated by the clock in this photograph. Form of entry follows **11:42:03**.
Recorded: **11:06:33**
